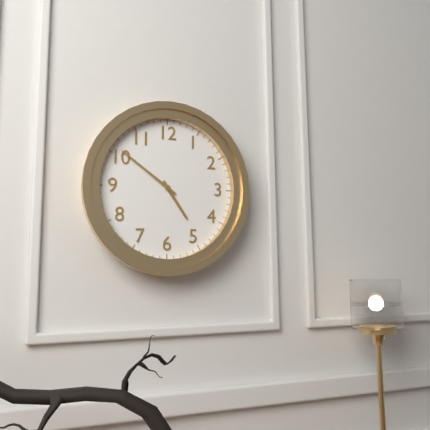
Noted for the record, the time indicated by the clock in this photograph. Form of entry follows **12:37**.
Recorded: **4:51**
